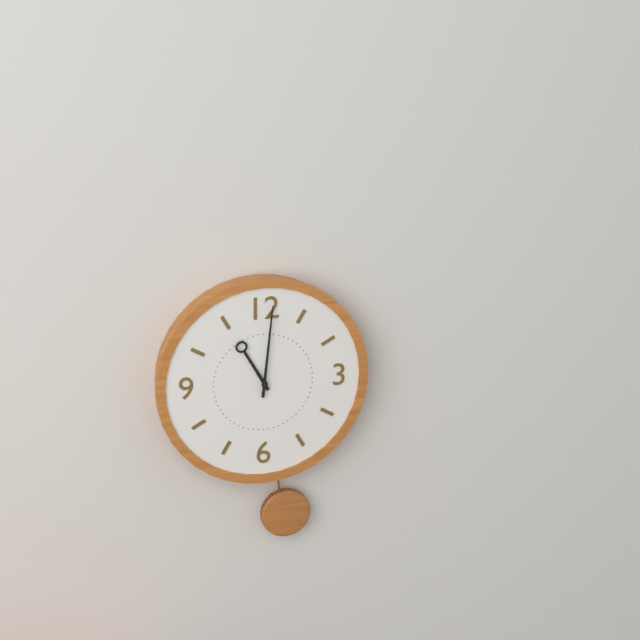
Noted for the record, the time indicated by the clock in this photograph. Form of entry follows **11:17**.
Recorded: **11:01**
